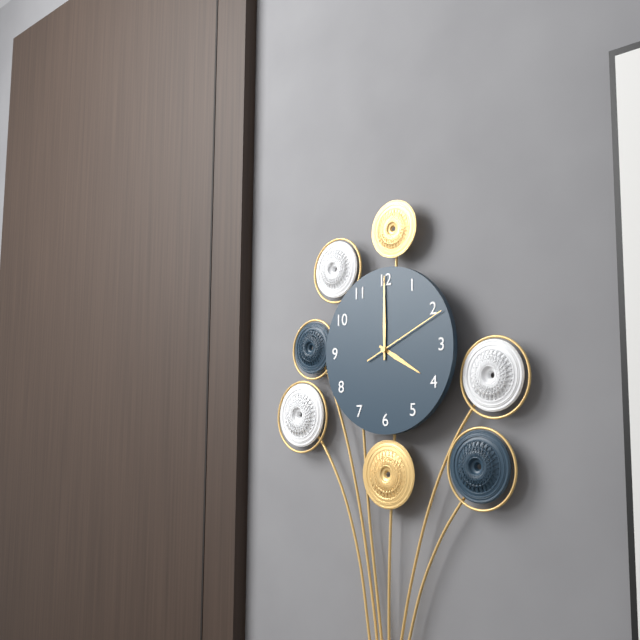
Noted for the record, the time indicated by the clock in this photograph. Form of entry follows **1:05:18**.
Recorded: **4:00:11**
